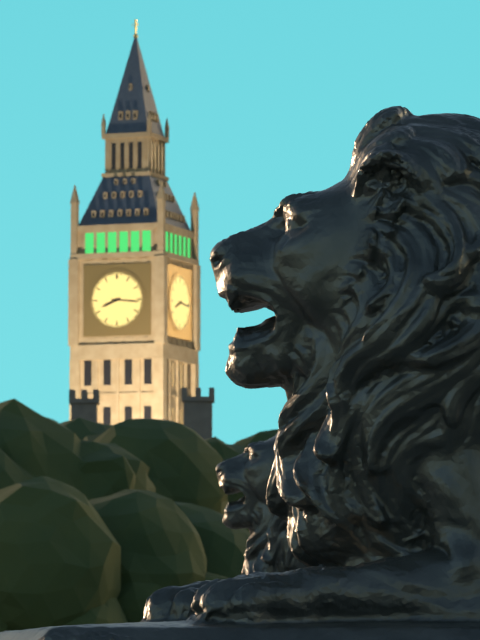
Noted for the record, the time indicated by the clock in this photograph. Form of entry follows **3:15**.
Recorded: **8:16**
